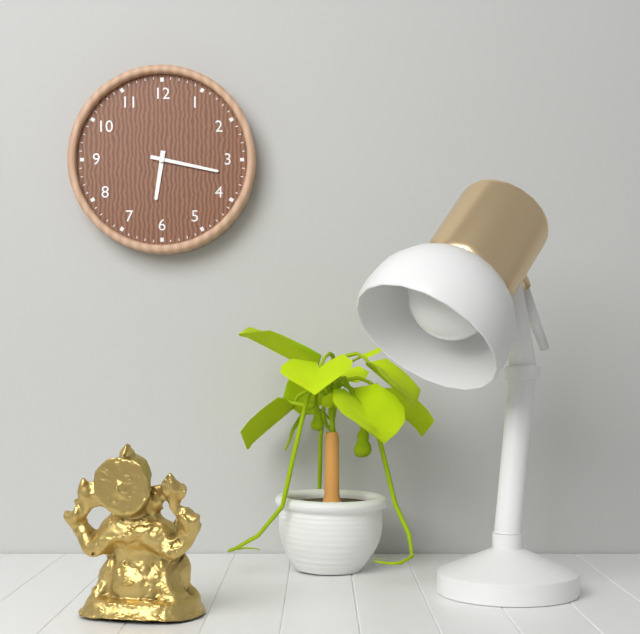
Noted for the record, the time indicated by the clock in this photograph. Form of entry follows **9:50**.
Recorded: **6:17**
